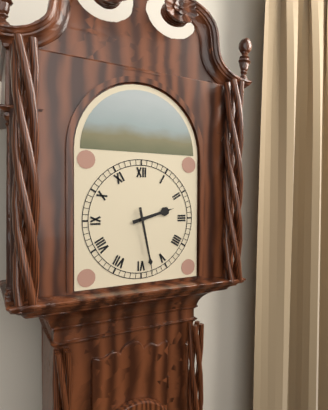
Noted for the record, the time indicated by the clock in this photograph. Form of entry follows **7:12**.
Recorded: **2:28**
